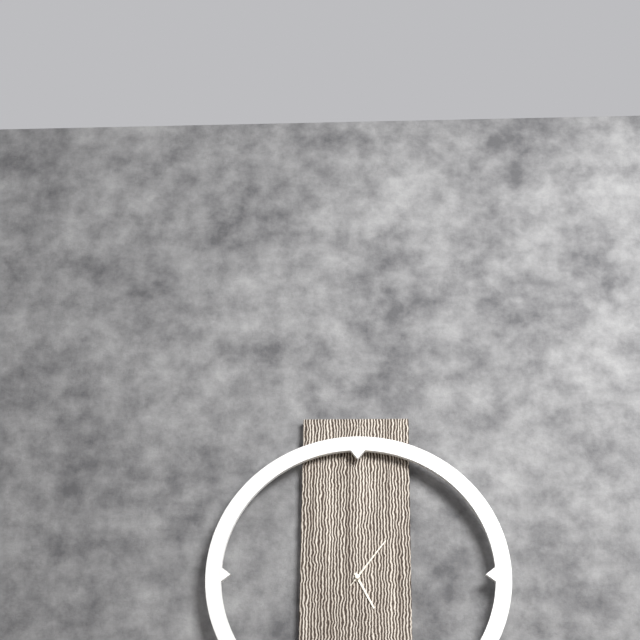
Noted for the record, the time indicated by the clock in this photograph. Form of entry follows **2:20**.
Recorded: **5:06**
